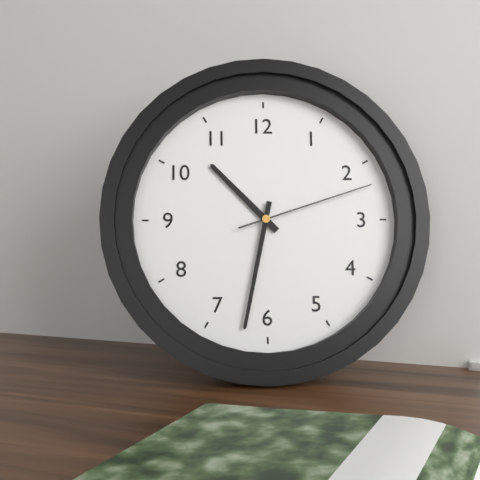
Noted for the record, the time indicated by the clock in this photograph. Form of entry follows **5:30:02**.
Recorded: **10:32:12**
